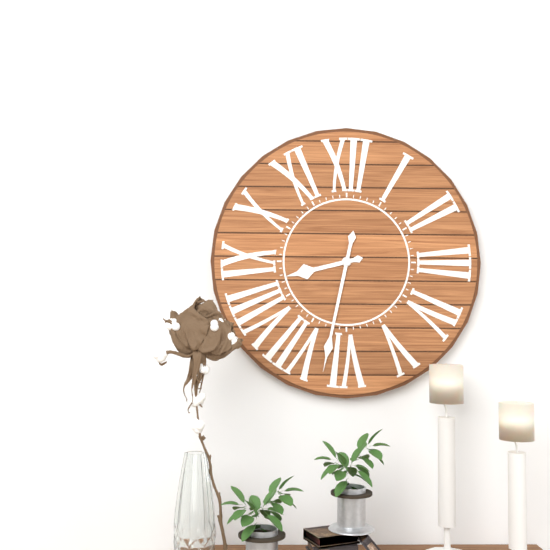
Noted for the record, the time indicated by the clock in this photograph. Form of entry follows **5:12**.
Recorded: **8:32**
